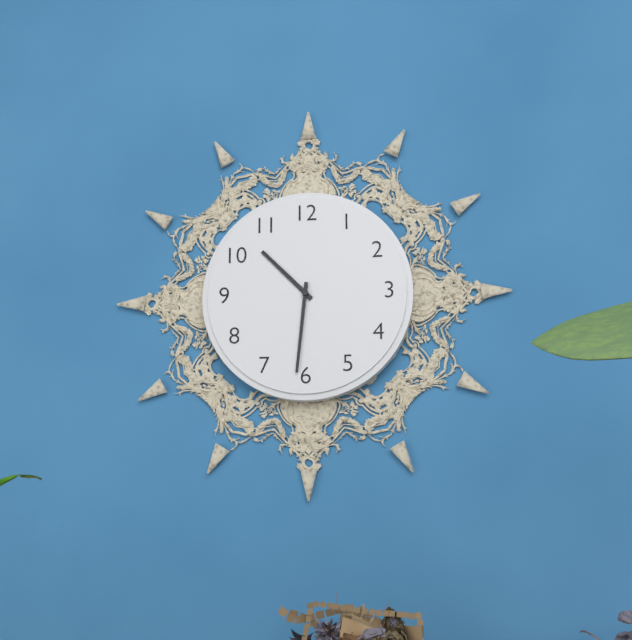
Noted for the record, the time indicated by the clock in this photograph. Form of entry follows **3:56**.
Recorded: **10:31**
